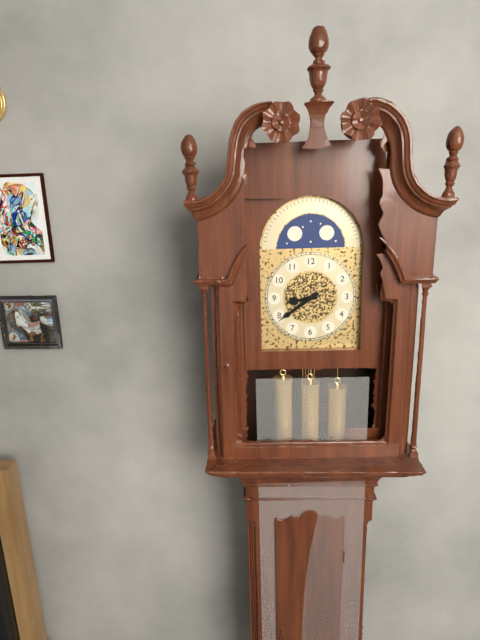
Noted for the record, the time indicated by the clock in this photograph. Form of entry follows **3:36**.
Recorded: **8:39**
